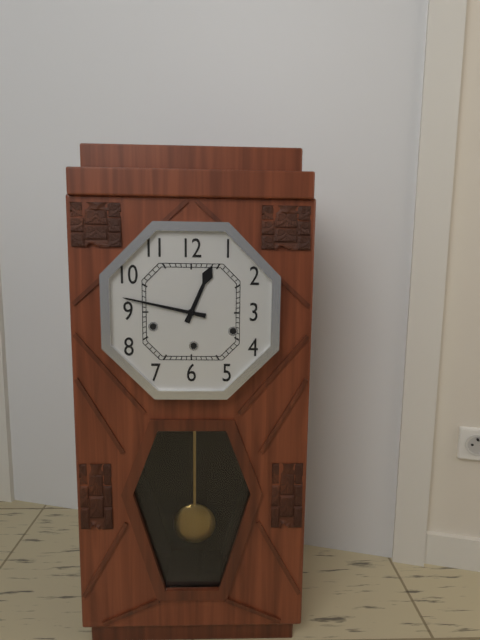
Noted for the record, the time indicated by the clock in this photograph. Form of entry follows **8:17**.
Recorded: **12:47**
